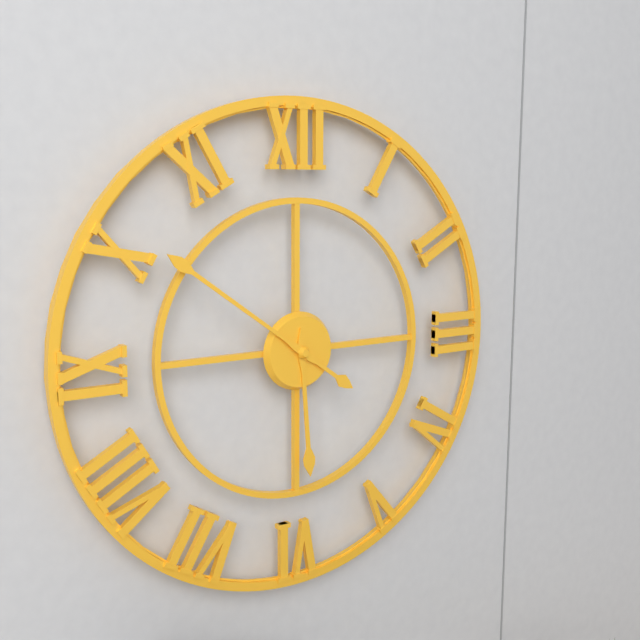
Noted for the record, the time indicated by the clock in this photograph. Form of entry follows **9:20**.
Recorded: **5:51**
